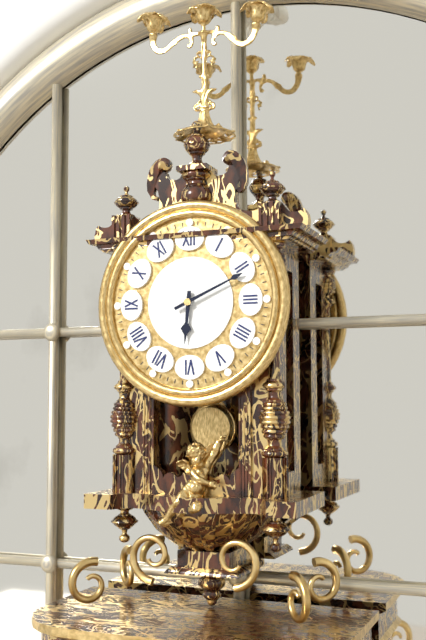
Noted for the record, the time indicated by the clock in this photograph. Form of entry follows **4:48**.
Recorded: **6:11**
